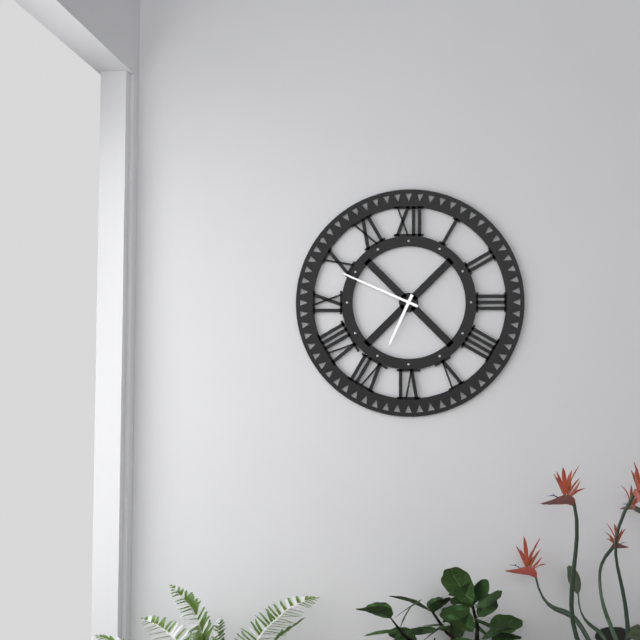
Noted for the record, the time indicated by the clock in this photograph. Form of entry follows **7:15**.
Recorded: **6:49**
